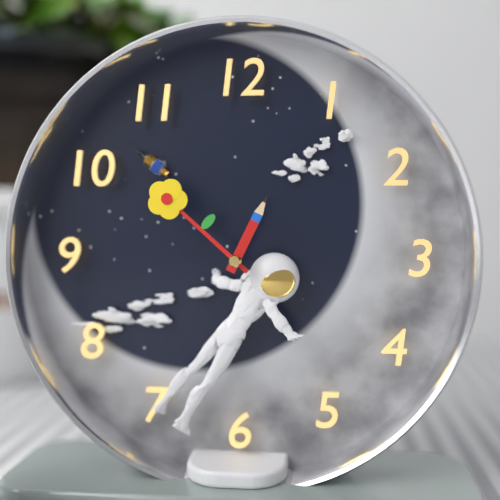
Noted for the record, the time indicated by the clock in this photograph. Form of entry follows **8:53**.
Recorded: **12:52**
